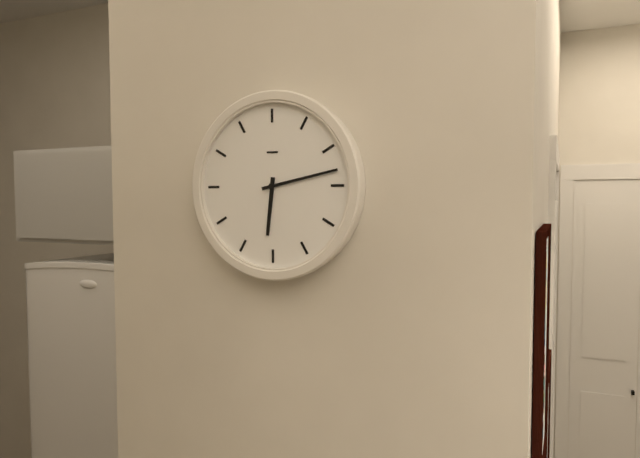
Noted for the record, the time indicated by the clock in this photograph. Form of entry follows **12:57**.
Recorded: **6:13**
